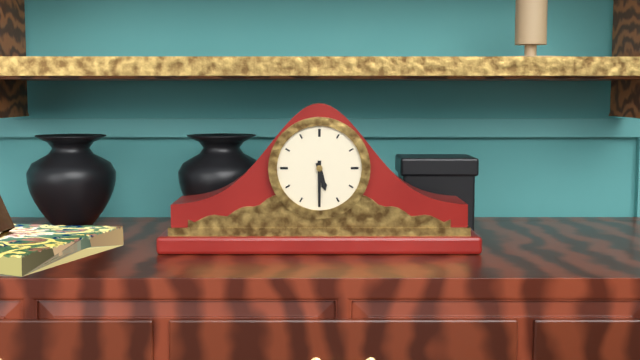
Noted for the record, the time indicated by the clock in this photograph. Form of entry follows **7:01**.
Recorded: **5:30**
